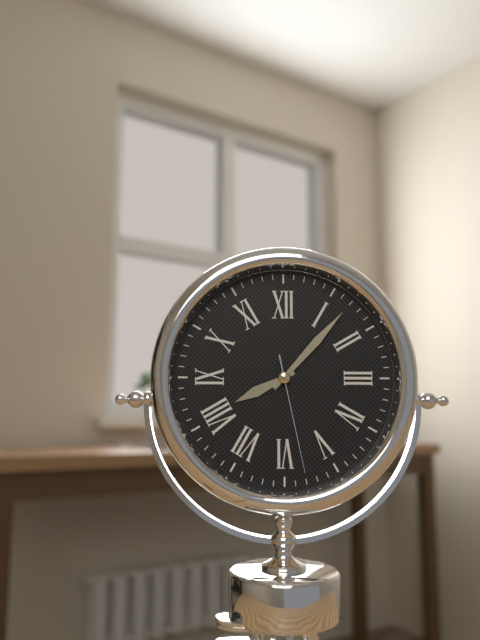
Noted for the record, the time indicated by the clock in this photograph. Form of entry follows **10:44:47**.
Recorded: **8:07:28**
